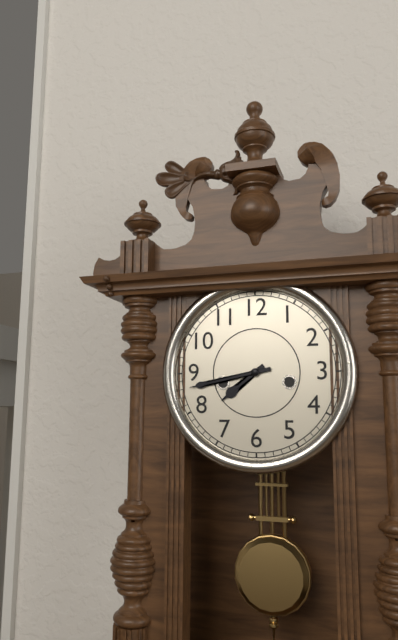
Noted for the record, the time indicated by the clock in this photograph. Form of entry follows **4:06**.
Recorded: **7:43**
